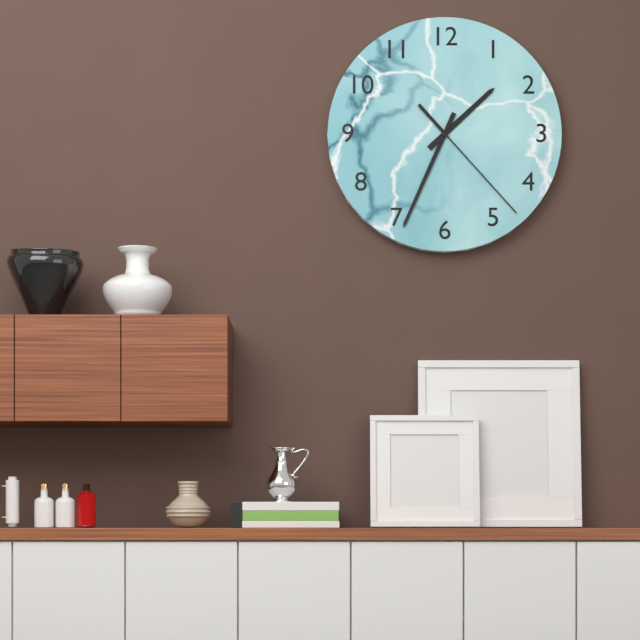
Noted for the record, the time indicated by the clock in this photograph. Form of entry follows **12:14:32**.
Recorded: **1:34:23**
